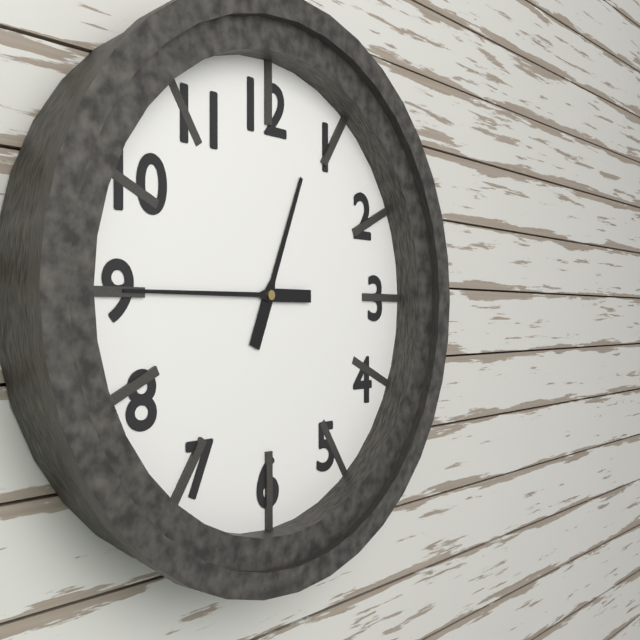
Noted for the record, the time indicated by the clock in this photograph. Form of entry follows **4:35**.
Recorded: **12:45**
